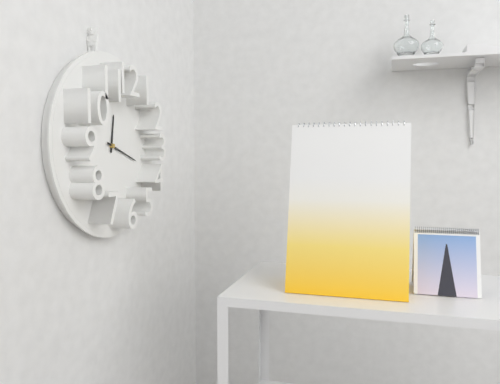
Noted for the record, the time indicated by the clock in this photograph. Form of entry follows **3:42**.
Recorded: **12:18**
